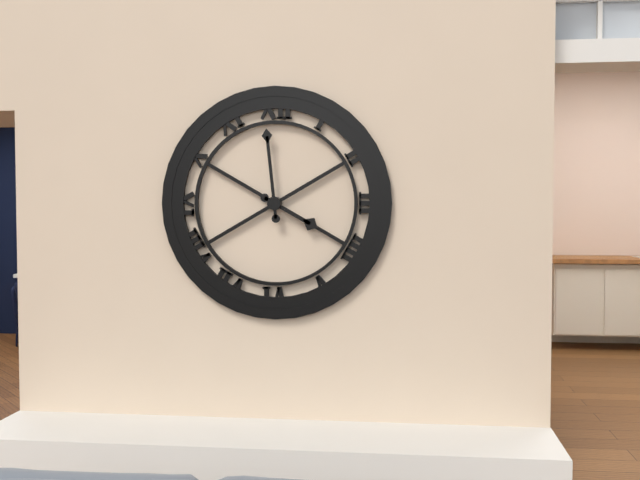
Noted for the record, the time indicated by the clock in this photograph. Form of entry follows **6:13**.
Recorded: **3:59**
